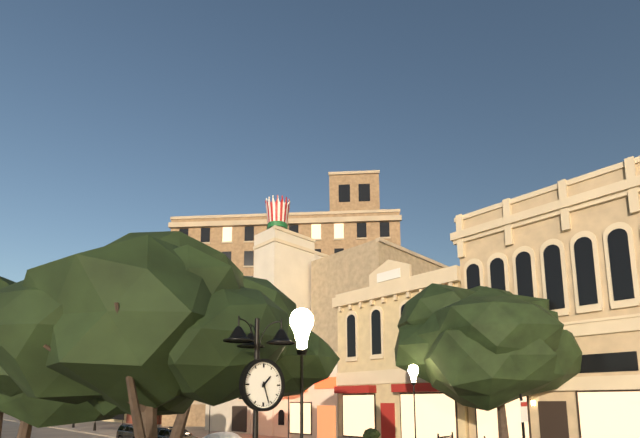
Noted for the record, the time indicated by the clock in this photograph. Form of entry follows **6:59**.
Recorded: **1:27**
